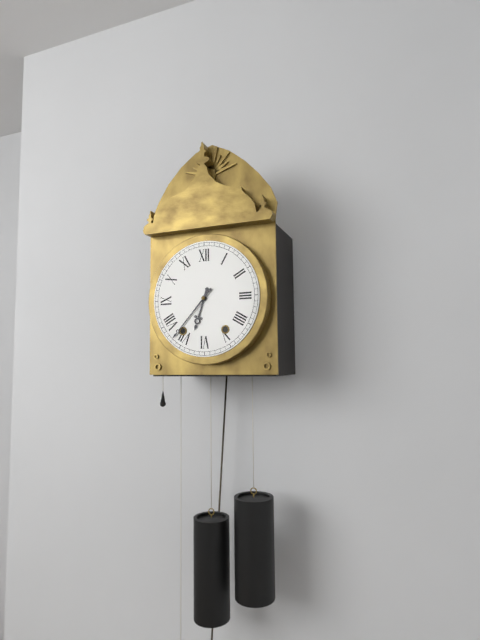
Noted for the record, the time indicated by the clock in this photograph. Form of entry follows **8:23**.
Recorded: **6:37**
